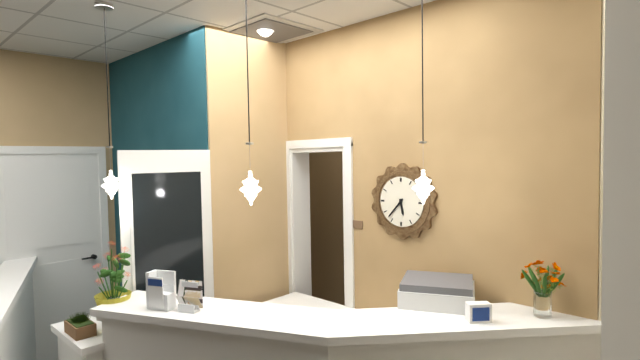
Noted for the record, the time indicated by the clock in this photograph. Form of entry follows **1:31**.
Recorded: **5:37**
